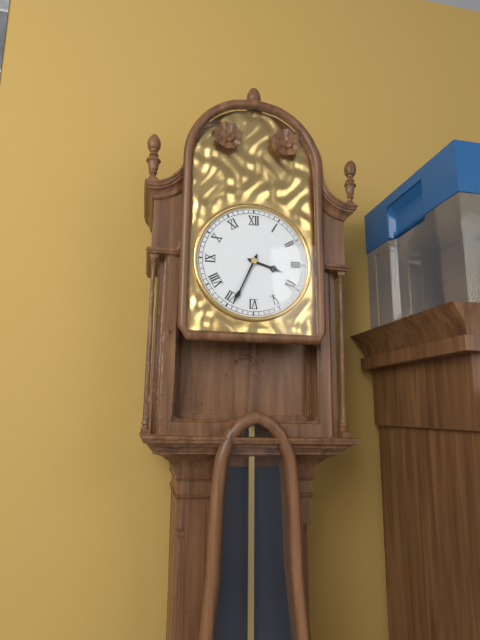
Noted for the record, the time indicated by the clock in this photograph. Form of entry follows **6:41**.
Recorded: **3:34**
